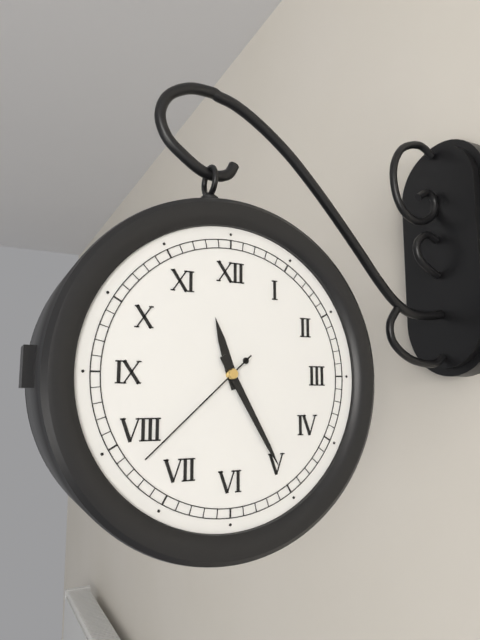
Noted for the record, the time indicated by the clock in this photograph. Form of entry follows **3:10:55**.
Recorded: **11:25:38**
